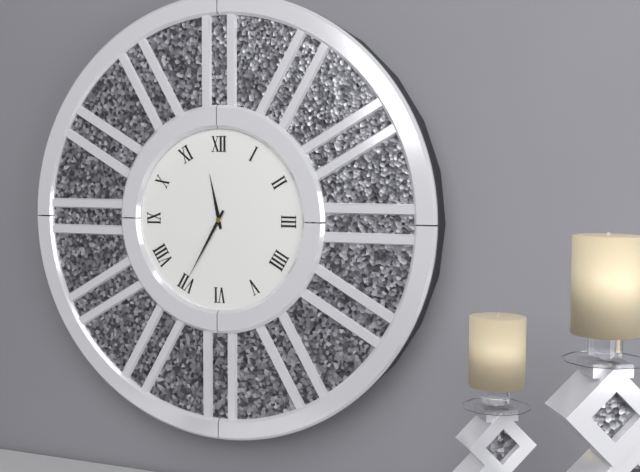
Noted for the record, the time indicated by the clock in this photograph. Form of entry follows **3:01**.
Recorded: **11:35**
